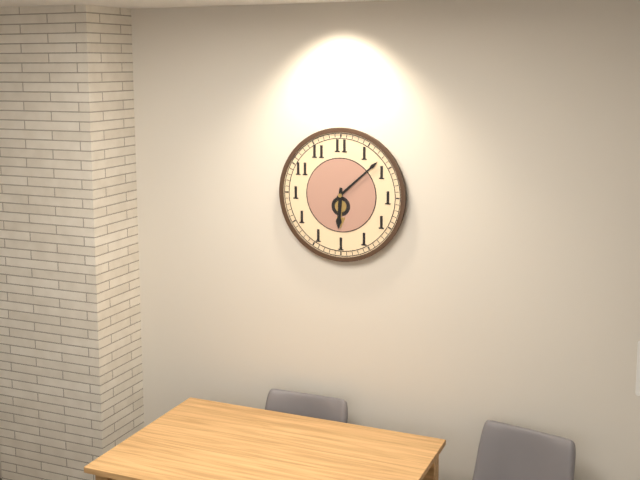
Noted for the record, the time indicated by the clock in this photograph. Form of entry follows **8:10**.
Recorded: **6:08**
